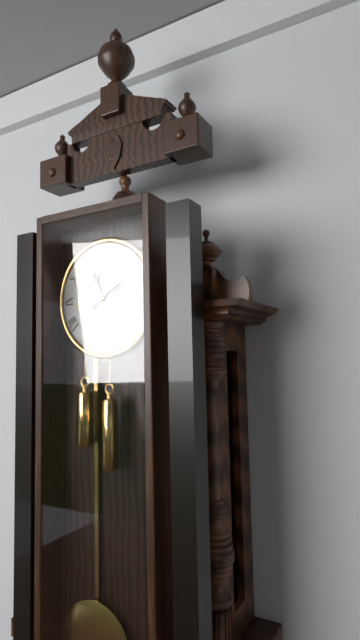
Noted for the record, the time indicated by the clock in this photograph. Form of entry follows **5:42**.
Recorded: **11:10**
